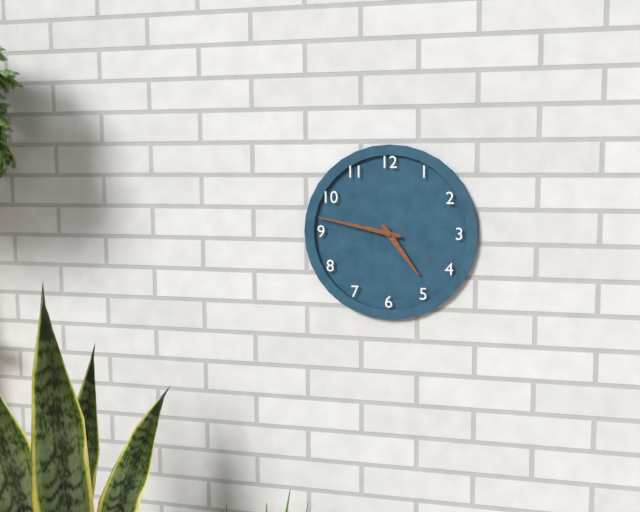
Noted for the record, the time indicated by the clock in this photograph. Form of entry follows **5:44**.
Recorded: **4:47**
